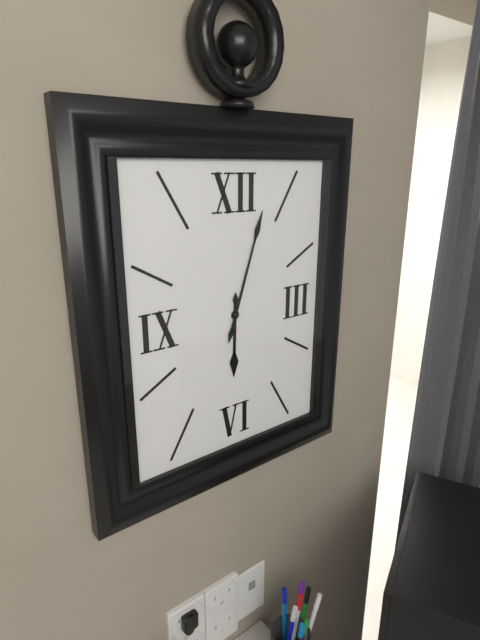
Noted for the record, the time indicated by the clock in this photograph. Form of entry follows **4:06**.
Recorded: **6:03**
